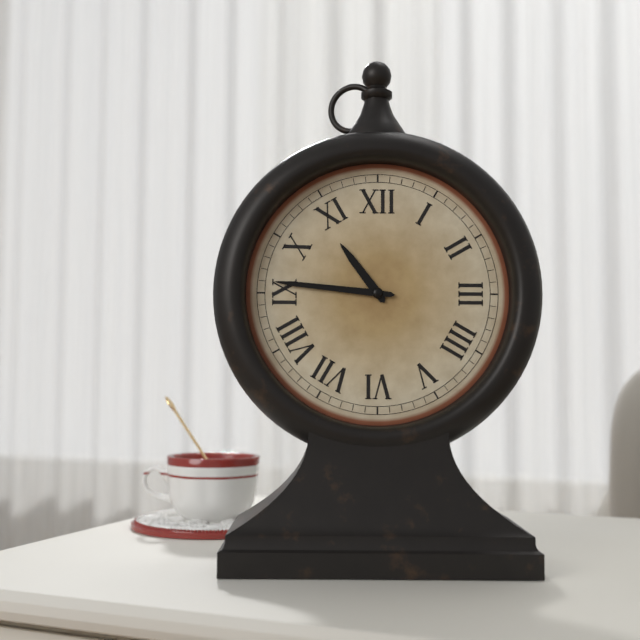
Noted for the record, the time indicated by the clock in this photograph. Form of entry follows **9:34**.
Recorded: **10:46**
